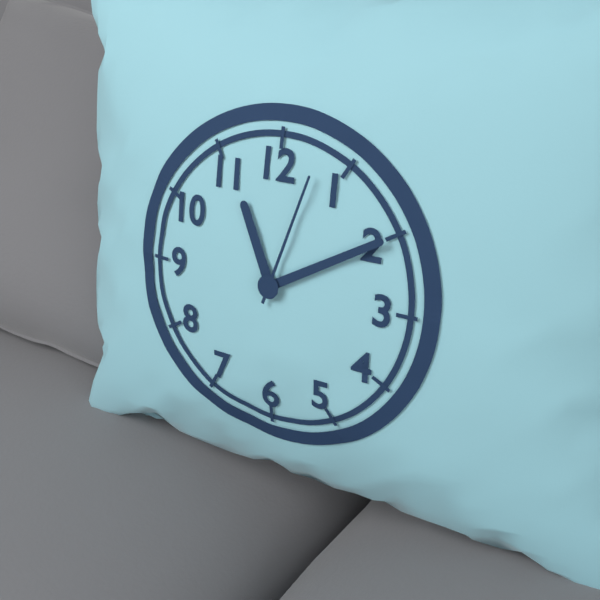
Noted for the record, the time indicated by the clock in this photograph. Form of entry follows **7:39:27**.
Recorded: **11:10:03**
